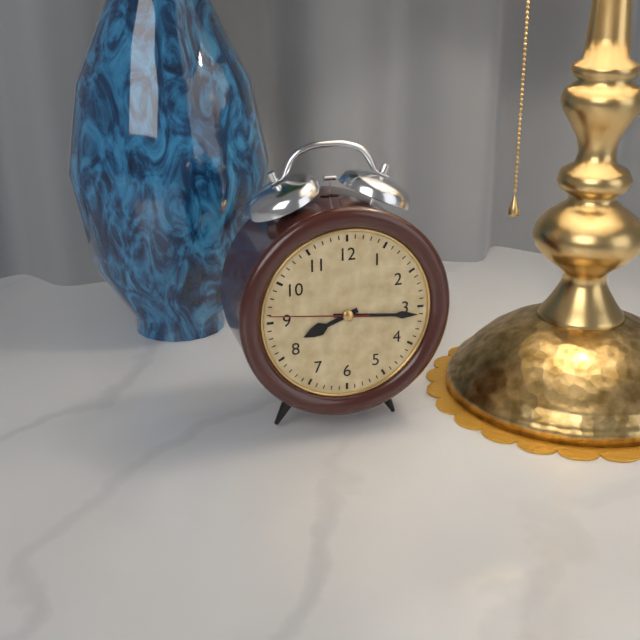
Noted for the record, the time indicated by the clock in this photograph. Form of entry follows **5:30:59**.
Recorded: **8:16:46**
